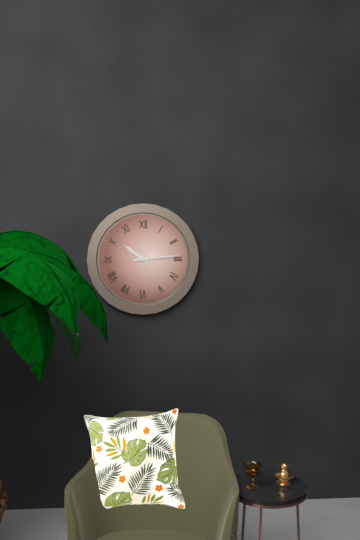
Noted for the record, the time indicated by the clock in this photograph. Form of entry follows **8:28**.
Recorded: **10:14**
